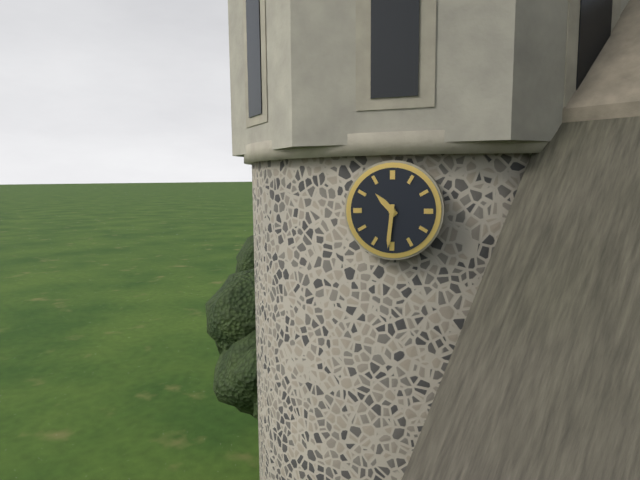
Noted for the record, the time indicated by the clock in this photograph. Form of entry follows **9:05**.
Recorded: **10:31**
